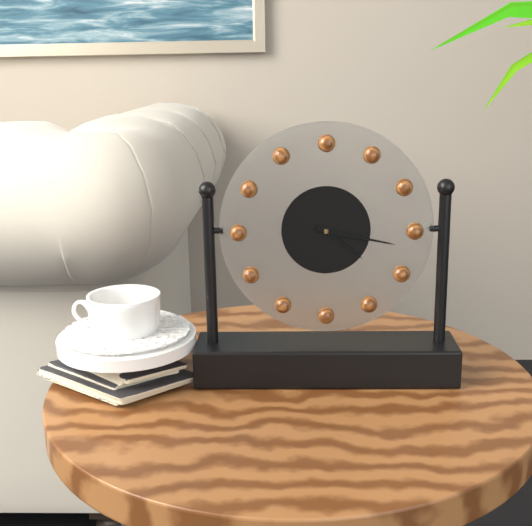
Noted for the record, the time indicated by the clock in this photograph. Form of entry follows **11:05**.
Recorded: **4:17**
